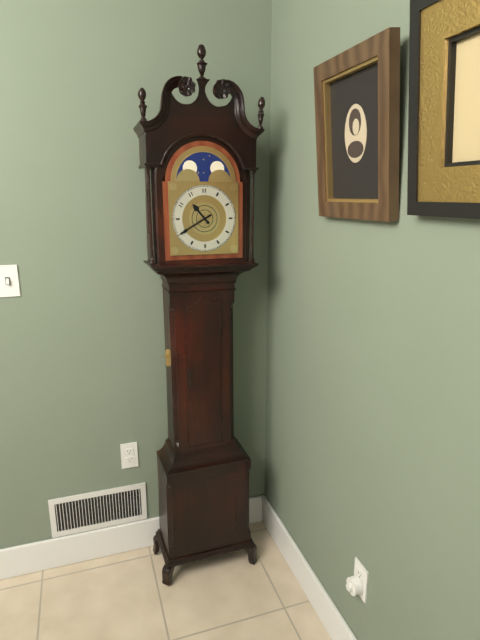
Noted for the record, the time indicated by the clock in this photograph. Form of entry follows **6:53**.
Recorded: **10:40**
